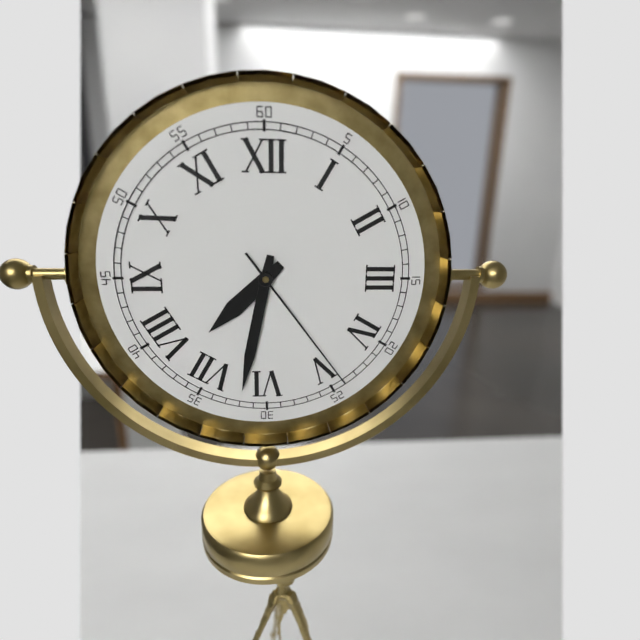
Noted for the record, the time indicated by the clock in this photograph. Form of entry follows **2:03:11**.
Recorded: **7:32:24**
